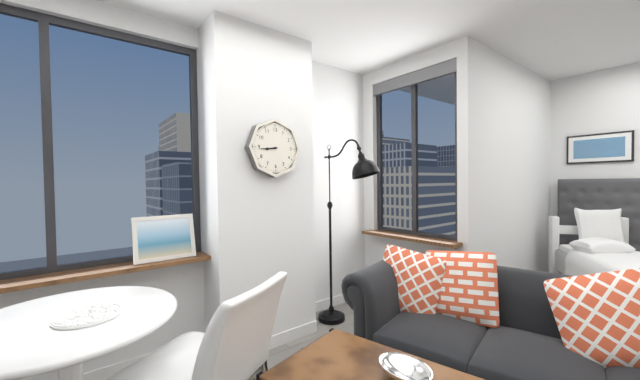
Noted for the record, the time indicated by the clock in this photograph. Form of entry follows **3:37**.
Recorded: **8:44**
